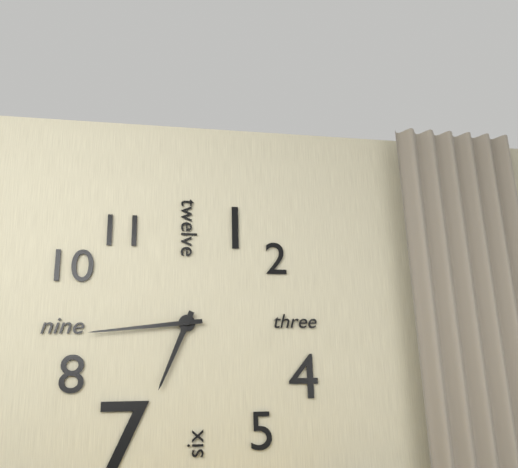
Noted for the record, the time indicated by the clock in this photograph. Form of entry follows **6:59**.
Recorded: **6:44**
